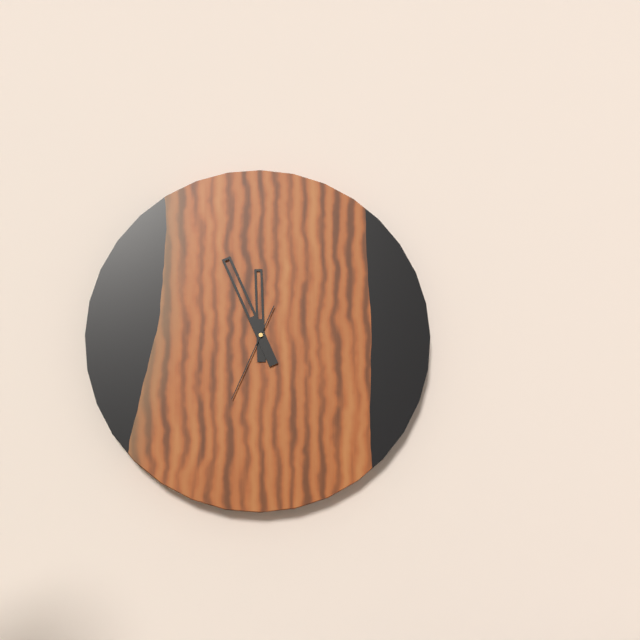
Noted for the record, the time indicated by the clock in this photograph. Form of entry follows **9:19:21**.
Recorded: **11:56:34**
